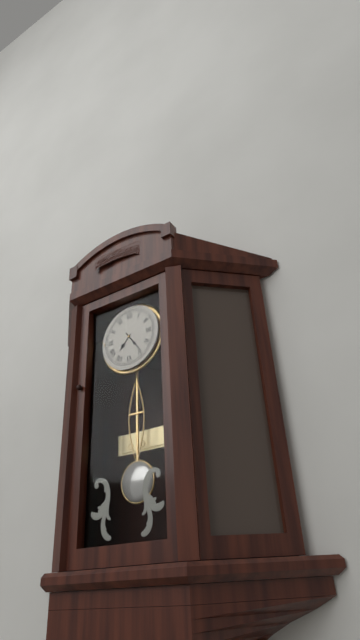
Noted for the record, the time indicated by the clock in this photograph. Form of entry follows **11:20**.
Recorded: **7:24**
